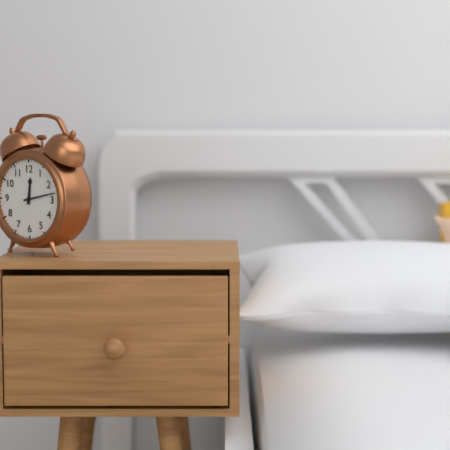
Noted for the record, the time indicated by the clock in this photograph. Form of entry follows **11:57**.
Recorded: **12:13**
